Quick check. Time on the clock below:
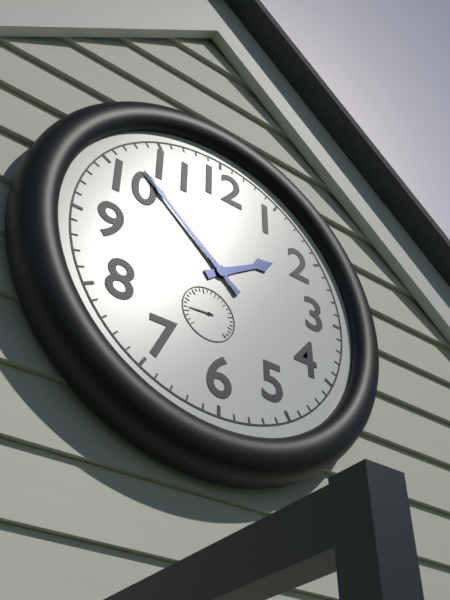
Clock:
1:52
